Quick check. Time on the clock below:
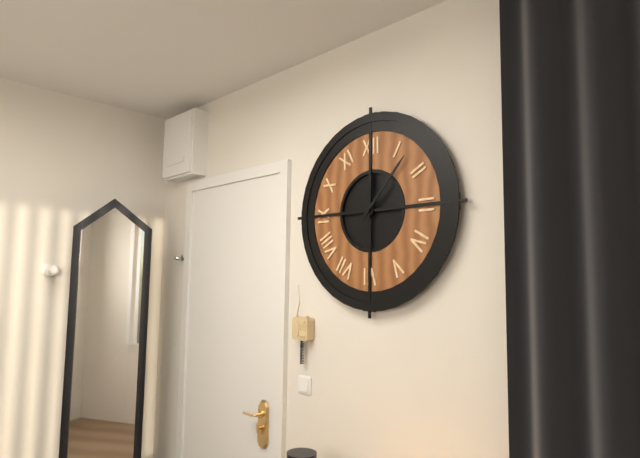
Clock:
12:07
